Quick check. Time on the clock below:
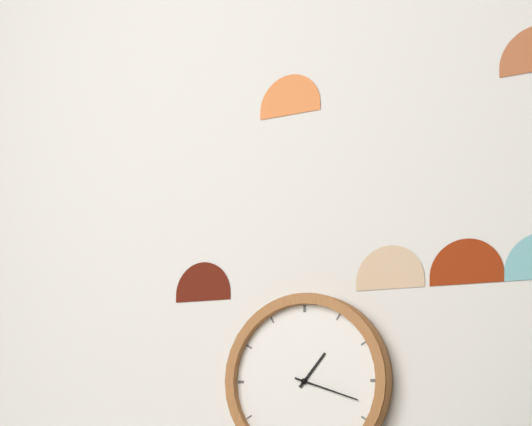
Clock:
1:18
